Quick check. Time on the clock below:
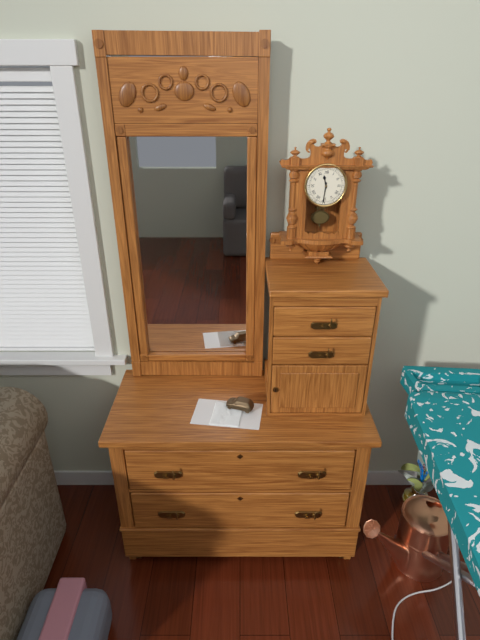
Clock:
11:31
